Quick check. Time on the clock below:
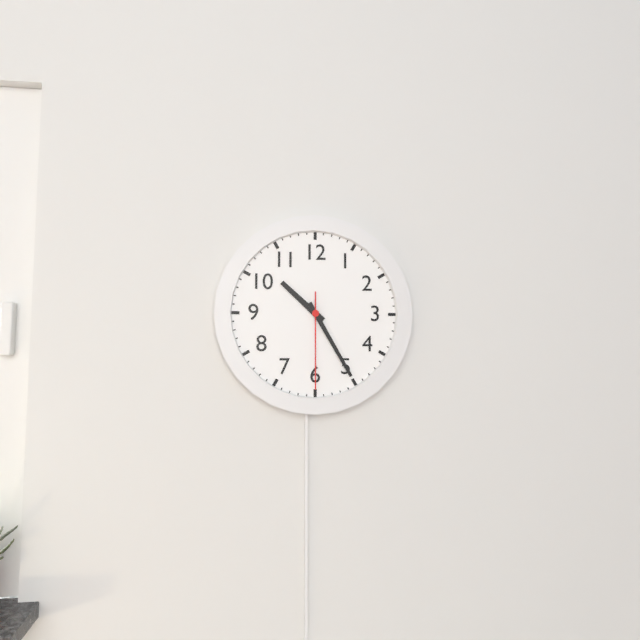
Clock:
10:25:30
